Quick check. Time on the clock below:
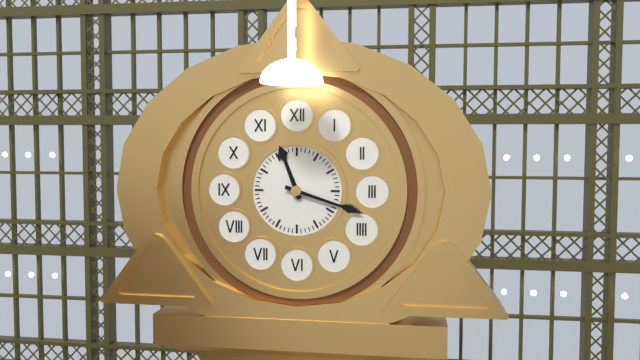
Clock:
11:18
